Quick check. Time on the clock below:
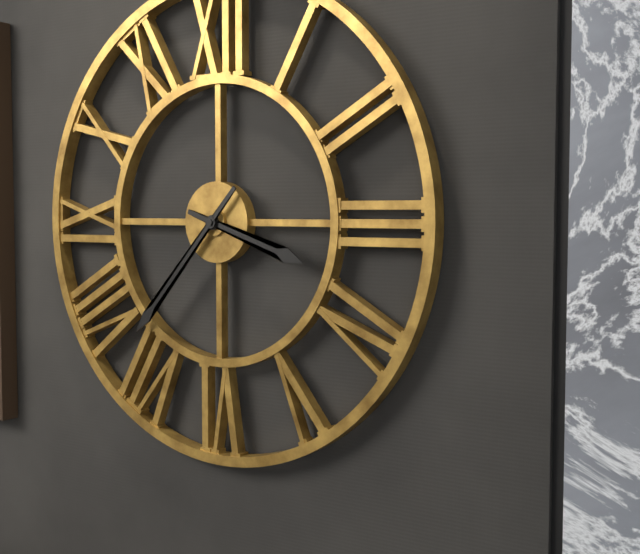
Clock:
3:37
